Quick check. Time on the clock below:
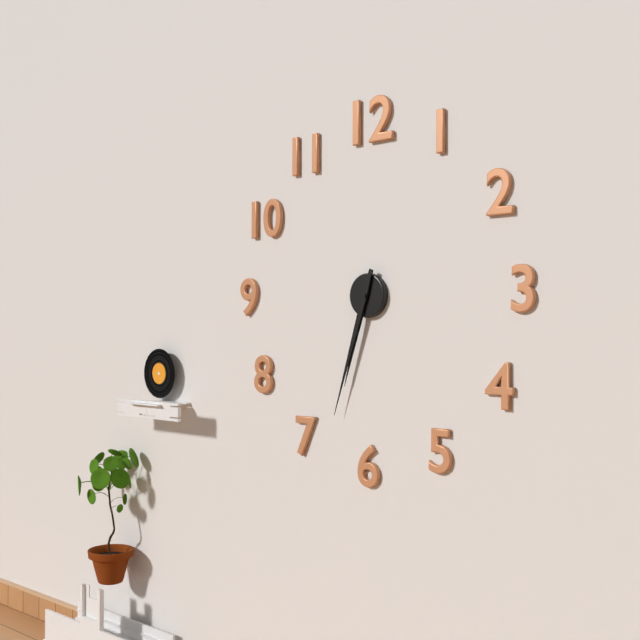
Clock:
6:33
